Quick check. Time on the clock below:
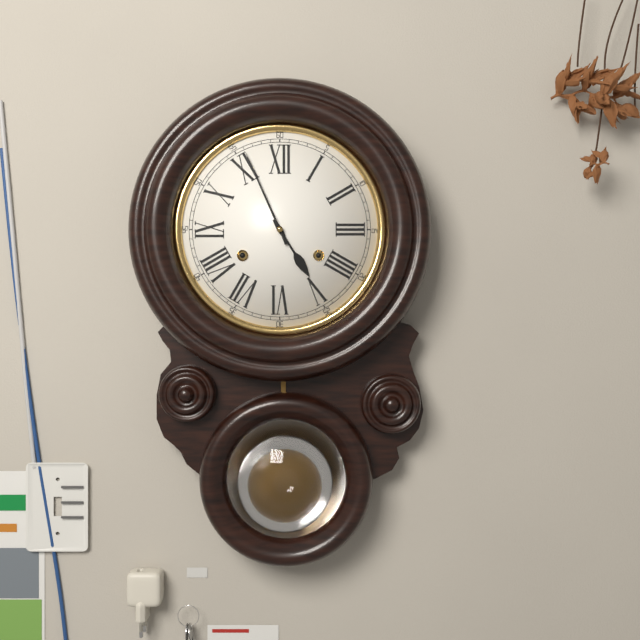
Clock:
4:56
